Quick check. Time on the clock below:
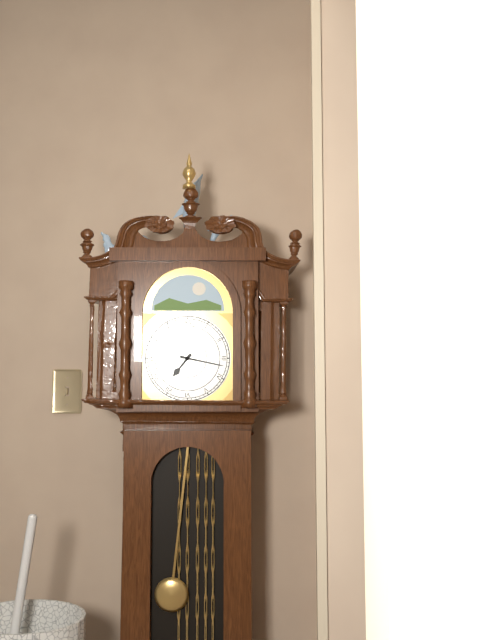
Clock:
7:17
